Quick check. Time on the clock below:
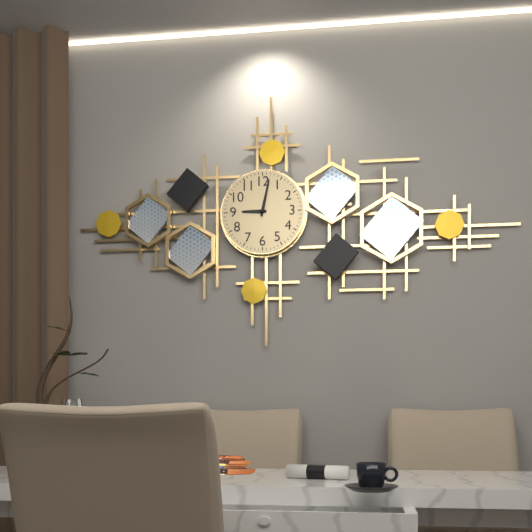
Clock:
9:02
